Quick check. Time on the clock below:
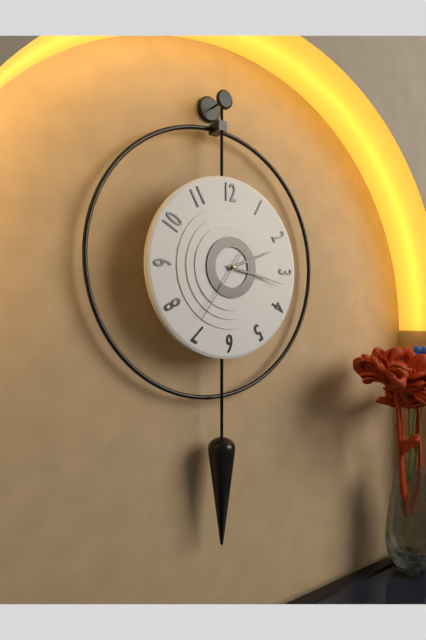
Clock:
2:17:36
